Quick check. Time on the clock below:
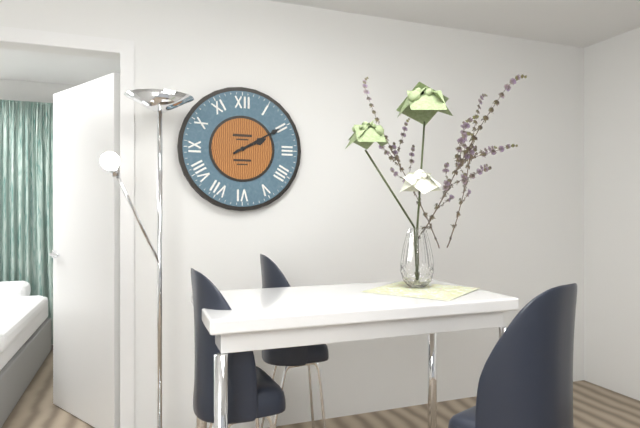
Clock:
2:10
